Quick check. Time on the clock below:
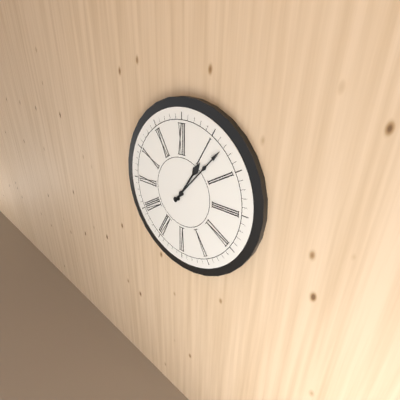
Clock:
1:07
